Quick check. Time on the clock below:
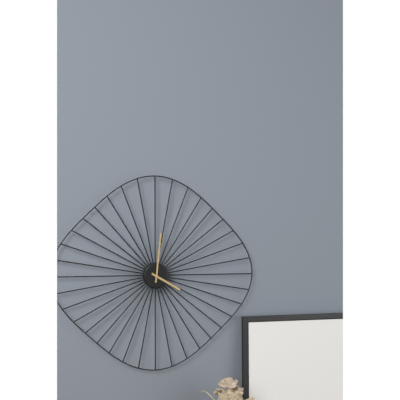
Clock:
4:01
